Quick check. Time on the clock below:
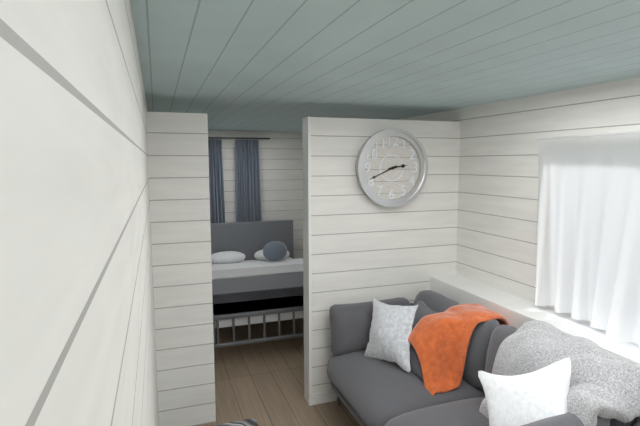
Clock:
2:41
